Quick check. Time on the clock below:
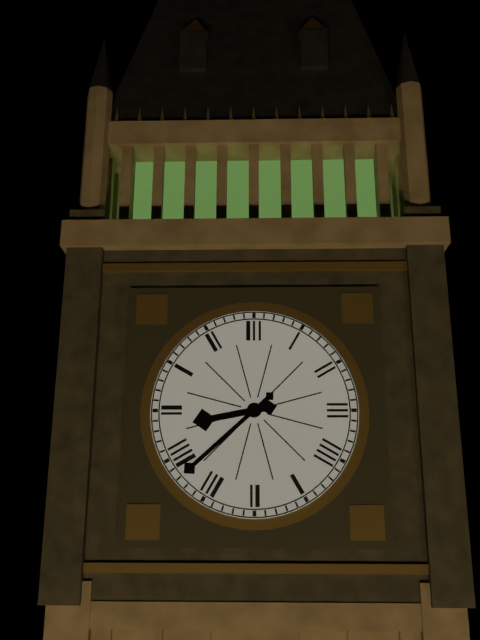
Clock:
8:38
